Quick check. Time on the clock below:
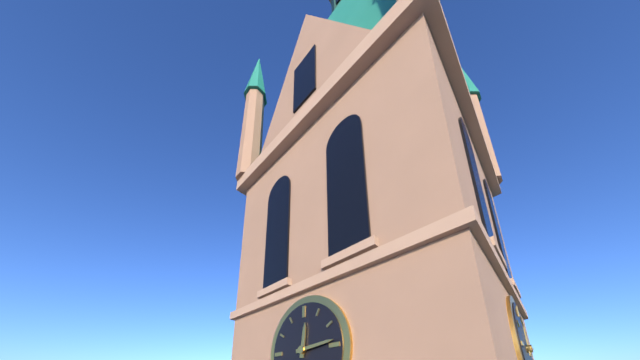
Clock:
12:14
